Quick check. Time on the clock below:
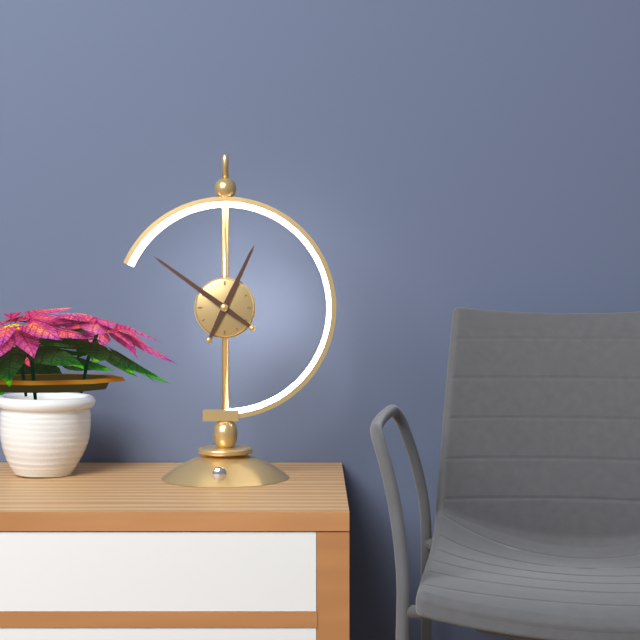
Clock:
12:51
